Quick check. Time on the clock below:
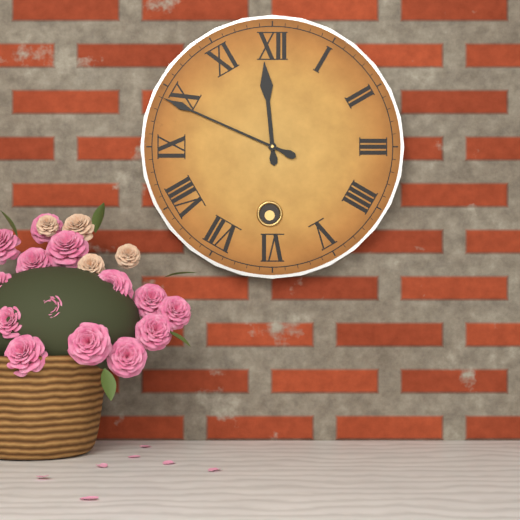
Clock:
11:49
